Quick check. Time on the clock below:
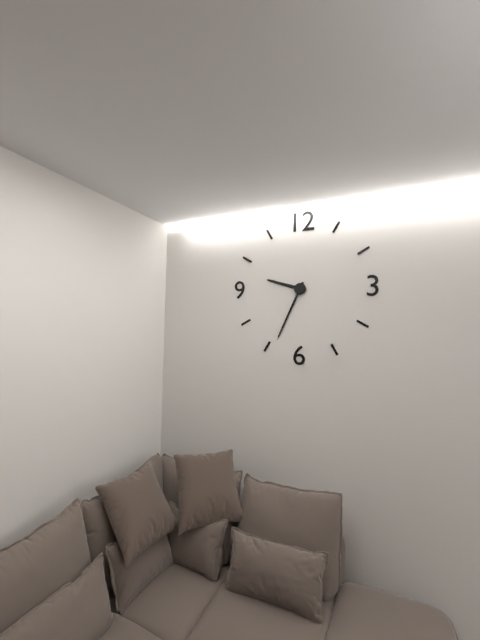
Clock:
9:34
